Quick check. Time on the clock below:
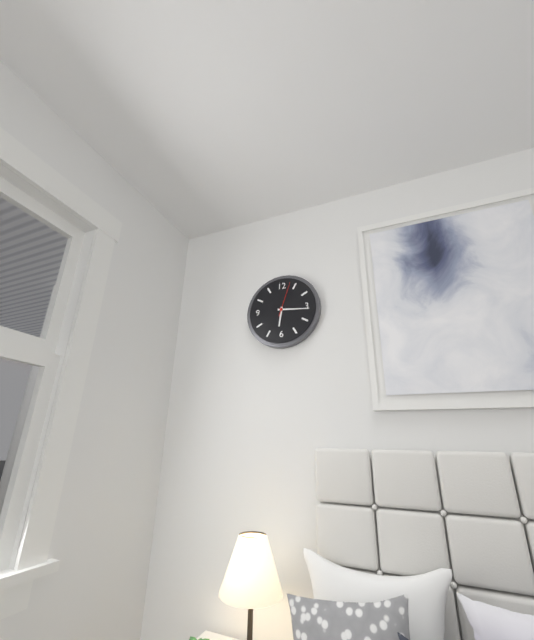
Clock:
6:16
